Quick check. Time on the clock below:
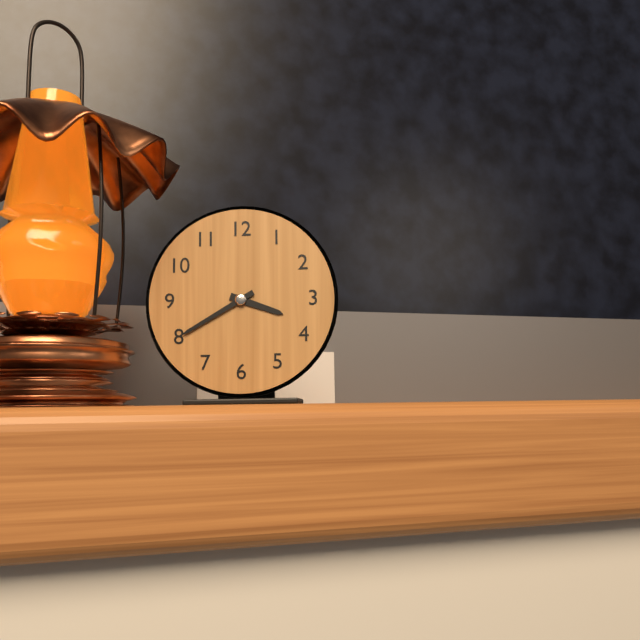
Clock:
3:40
